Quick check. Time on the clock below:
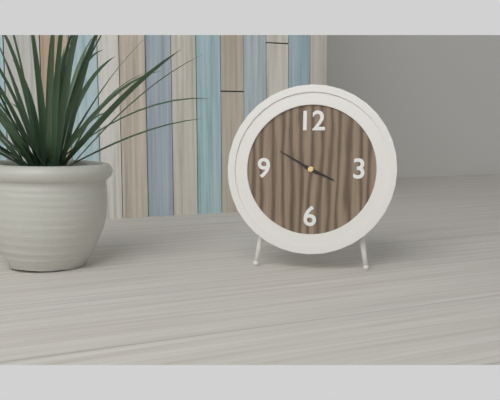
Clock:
3:50
